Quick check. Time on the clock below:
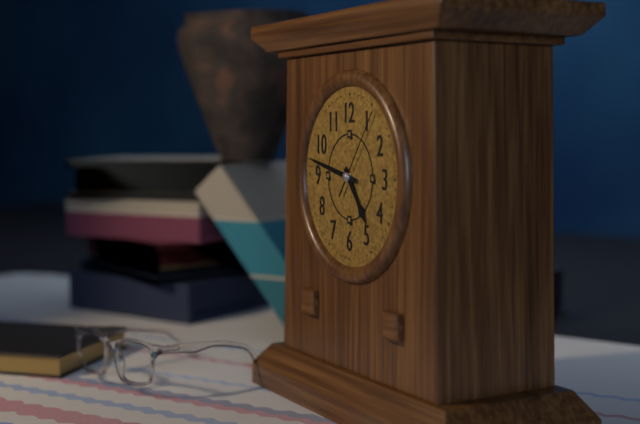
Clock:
4:47:06
